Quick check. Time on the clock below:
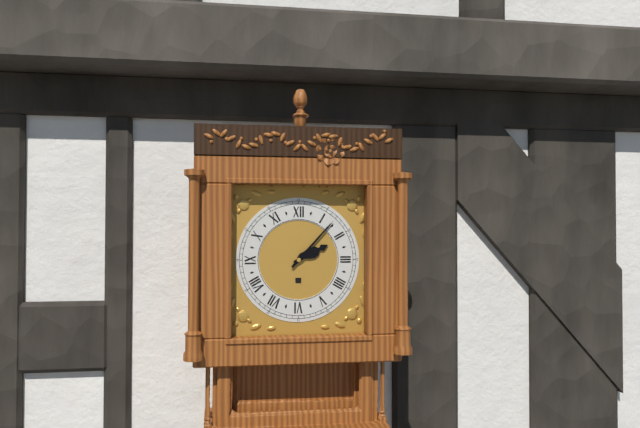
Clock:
2:07
